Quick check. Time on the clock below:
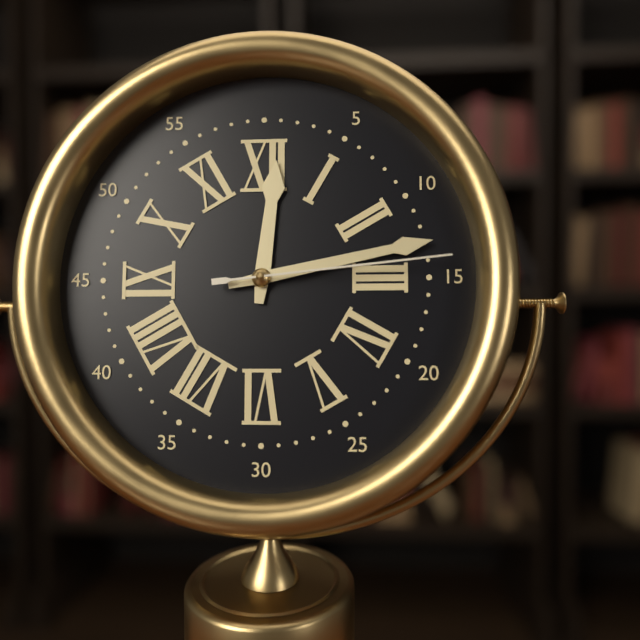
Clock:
12:13:14
